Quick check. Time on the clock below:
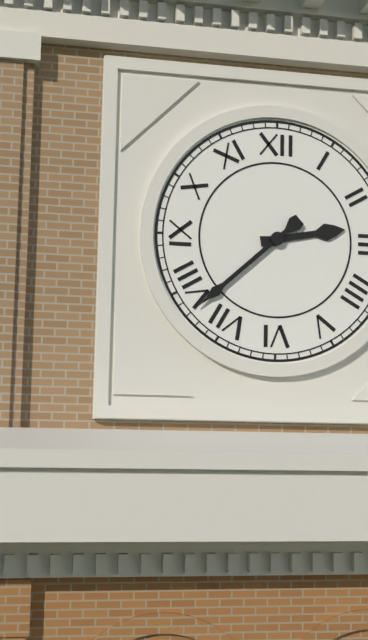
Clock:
2:38
